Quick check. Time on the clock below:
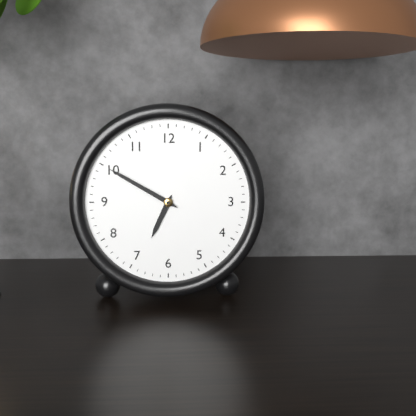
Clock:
6:50
